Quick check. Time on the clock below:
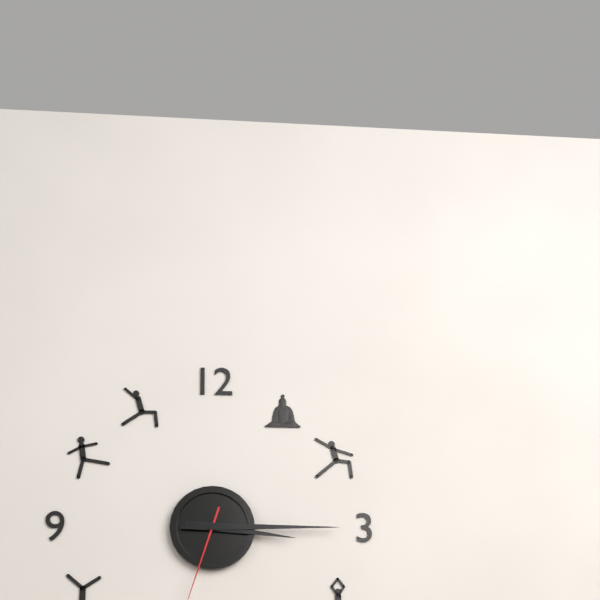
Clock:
3:15
